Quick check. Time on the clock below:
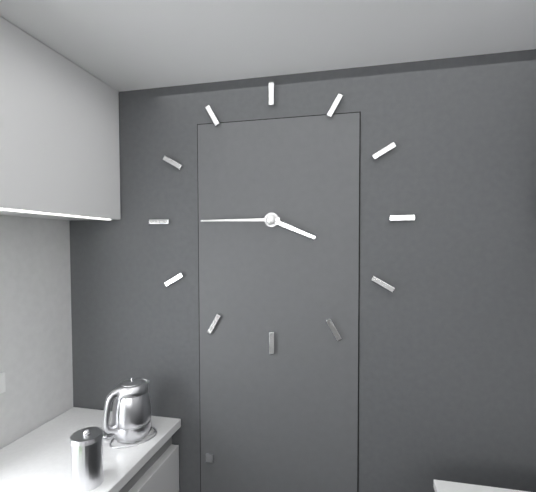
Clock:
3:45
